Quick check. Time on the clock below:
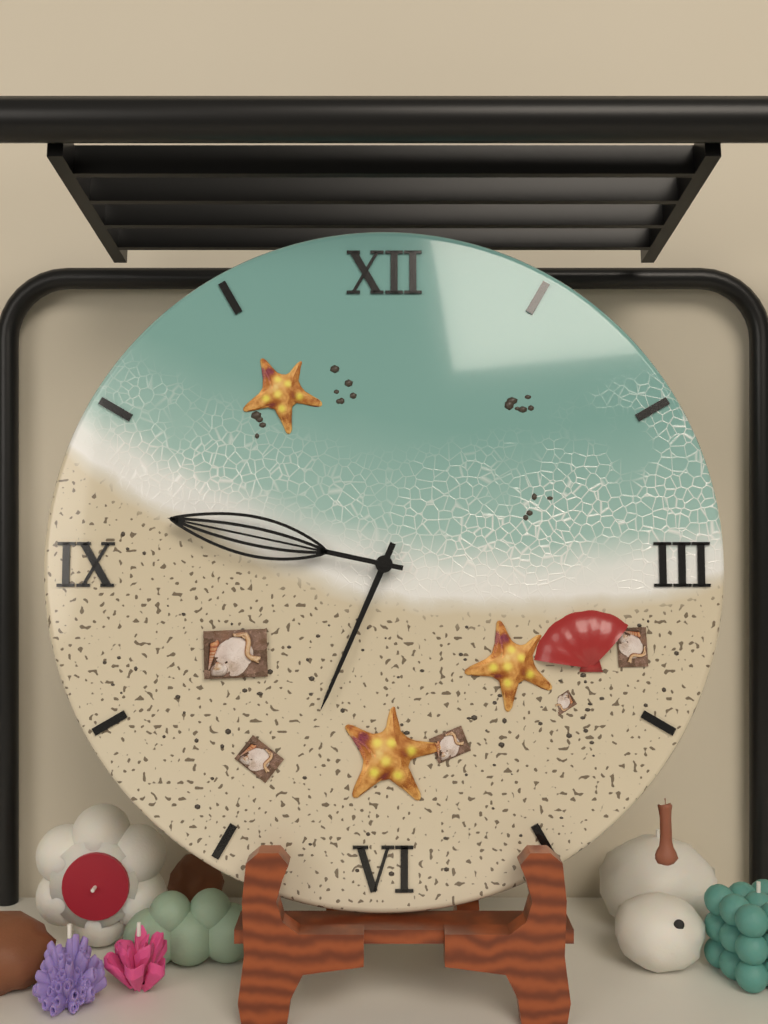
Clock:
6:47
